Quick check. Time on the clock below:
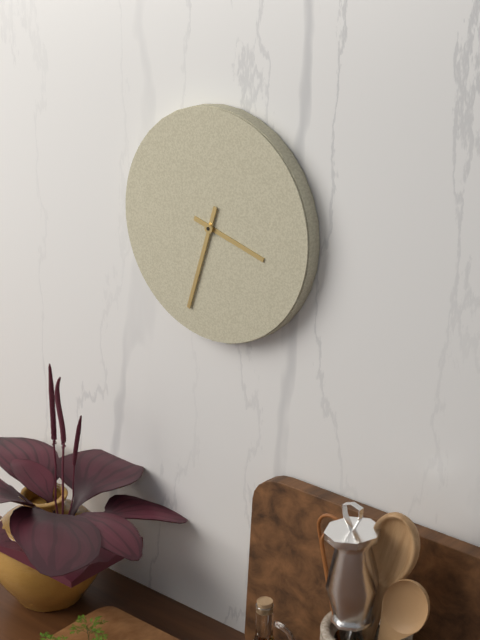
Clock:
3:33
